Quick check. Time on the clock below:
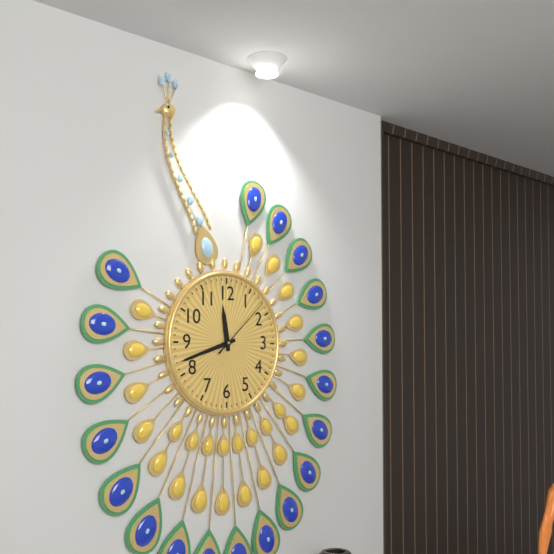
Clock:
11:42:08
